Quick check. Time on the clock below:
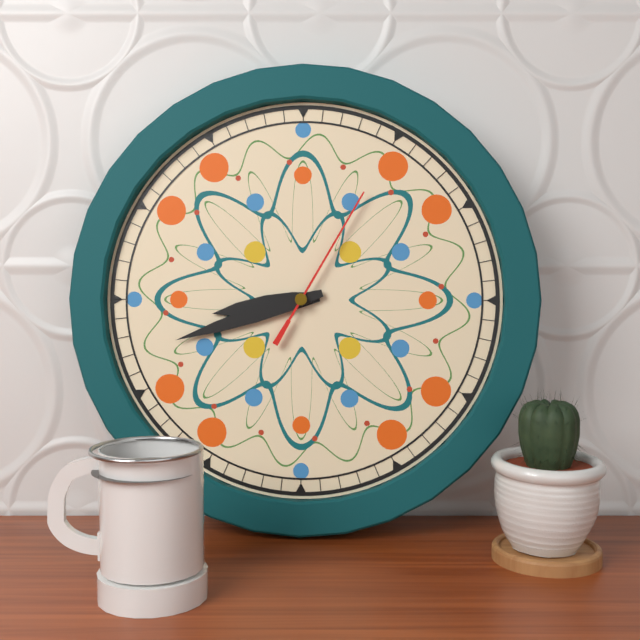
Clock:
8:42:05
